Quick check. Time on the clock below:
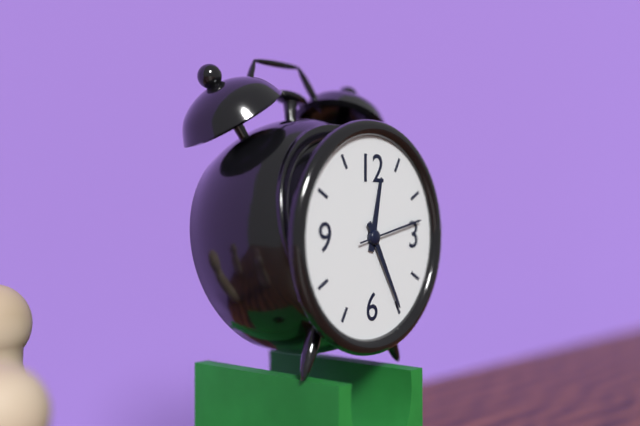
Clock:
12:25:13
